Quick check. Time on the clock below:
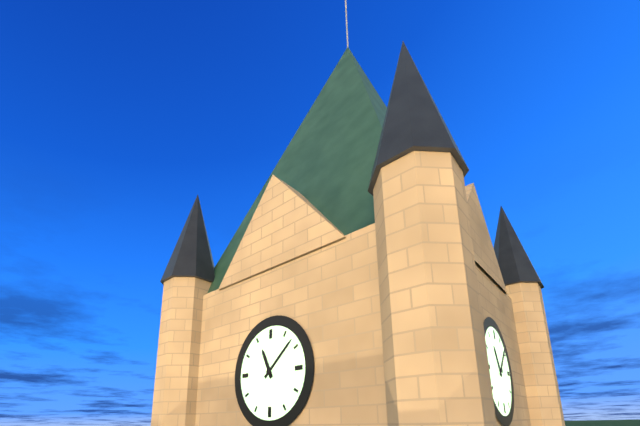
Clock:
11:08
